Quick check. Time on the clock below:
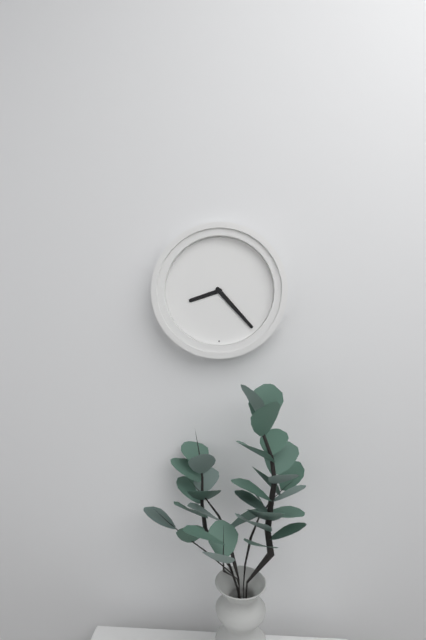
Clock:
8:23
